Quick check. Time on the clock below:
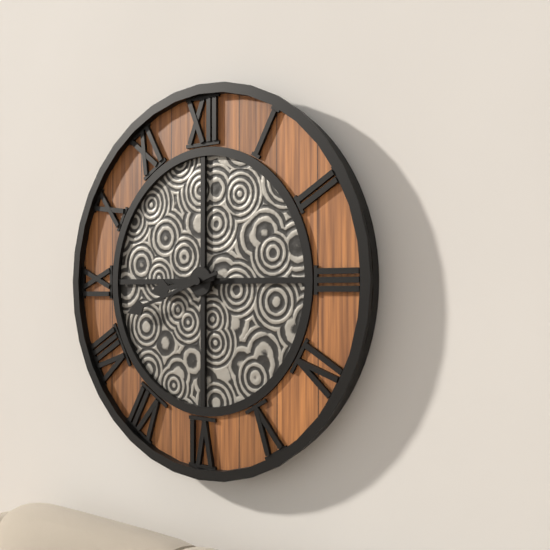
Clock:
8:42
